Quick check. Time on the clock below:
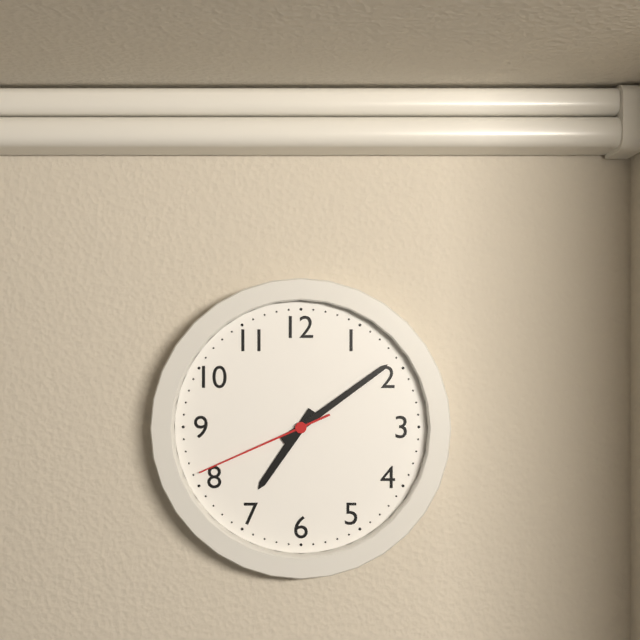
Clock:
7:09:41
